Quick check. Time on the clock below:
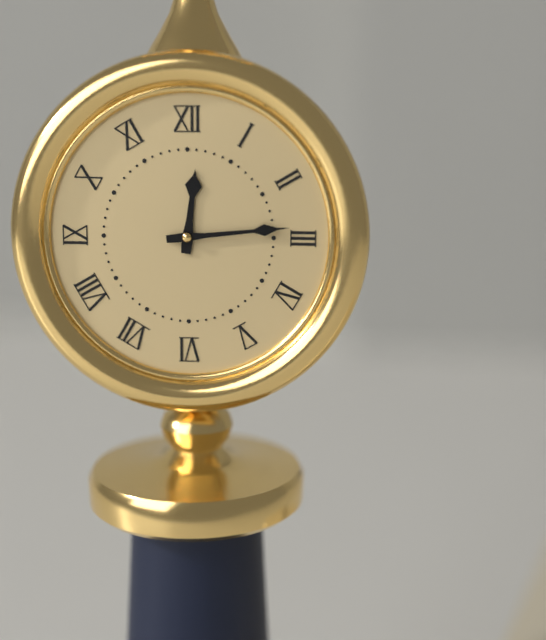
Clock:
12:14
